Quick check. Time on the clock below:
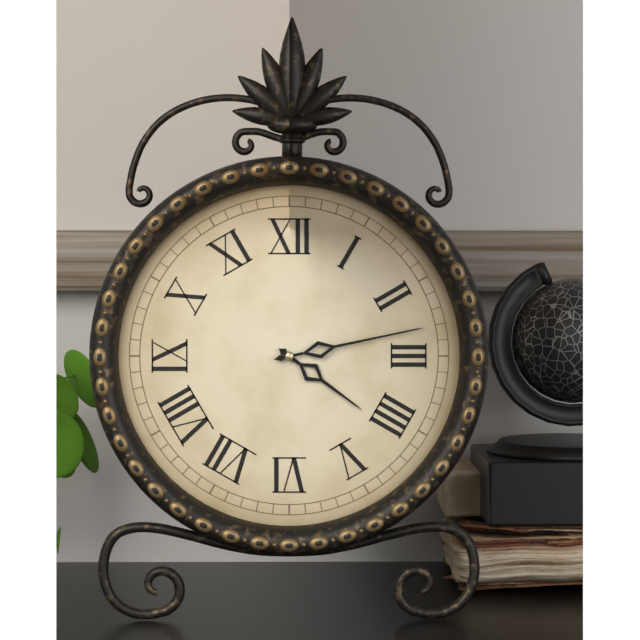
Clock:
4:13
